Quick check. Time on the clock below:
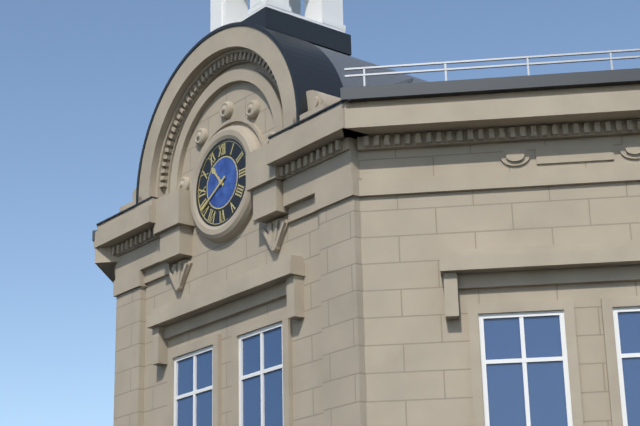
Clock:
10:40
